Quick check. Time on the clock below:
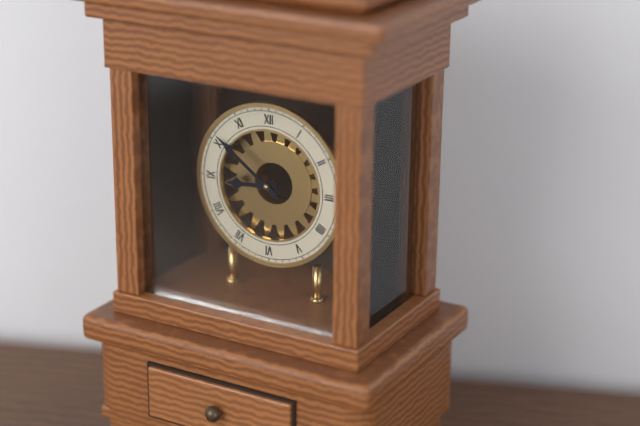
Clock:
8:51
